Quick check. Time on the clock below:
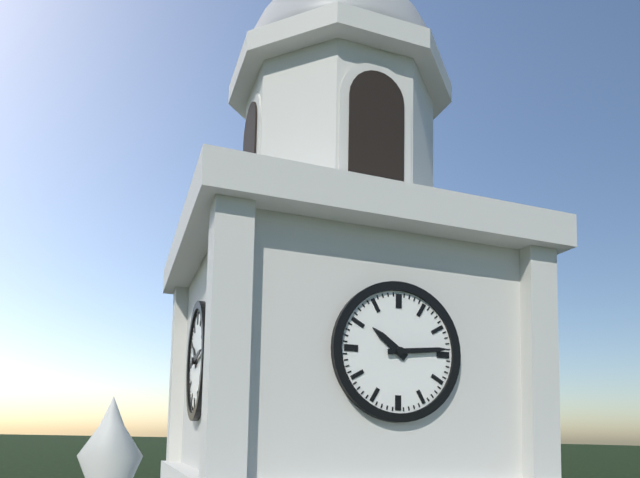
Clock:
10:14
